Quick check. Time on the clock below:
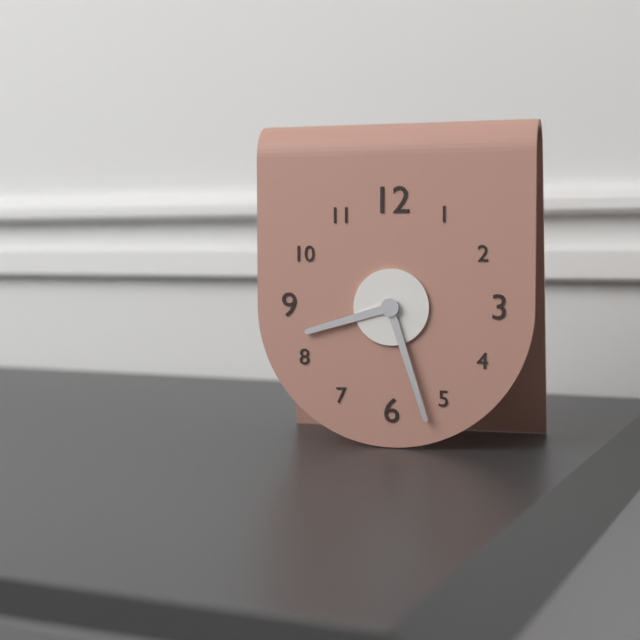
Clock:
8:27
